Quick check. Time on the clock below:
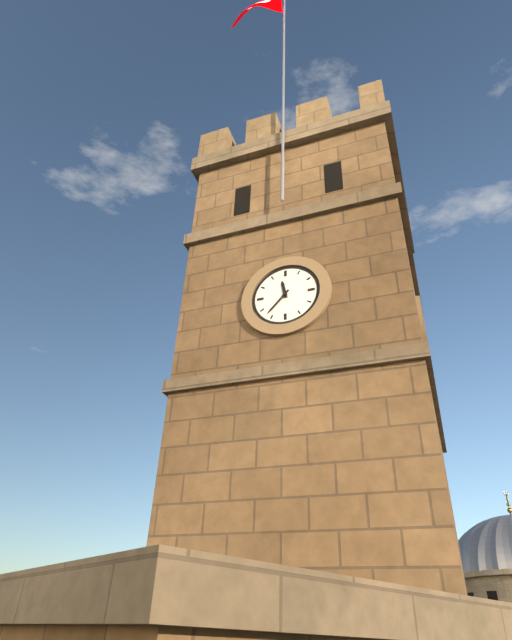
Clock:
11:37
